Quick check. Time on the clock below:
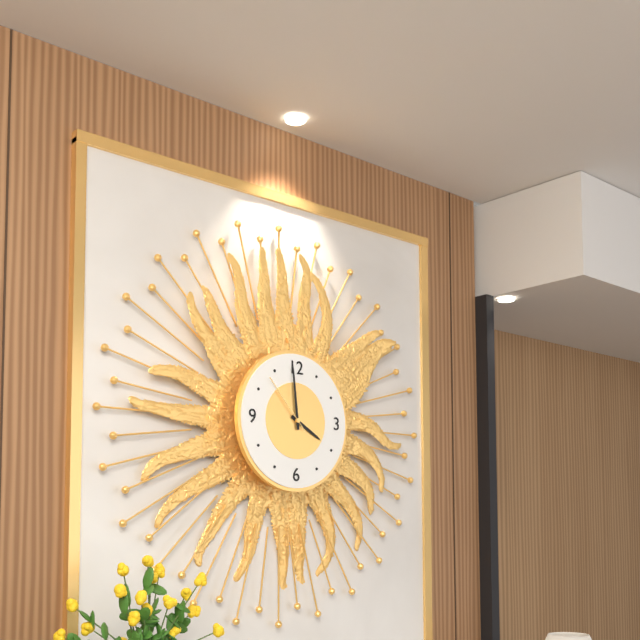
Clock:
3:59:53
